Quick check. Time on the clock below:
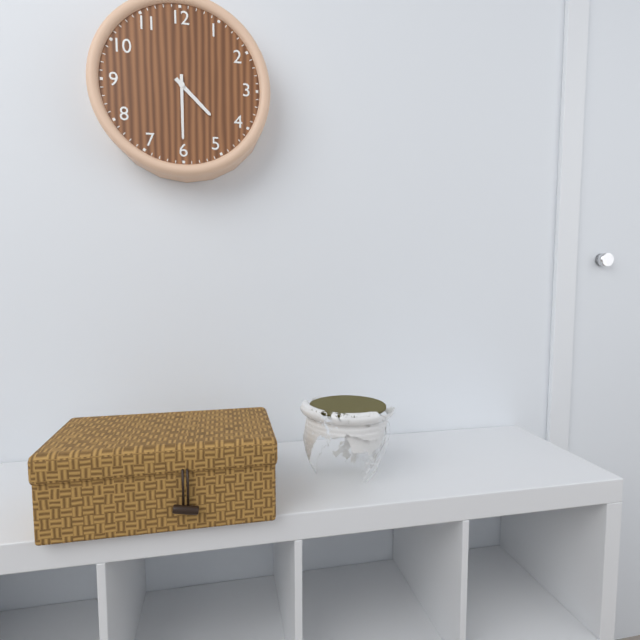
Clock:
4:30
